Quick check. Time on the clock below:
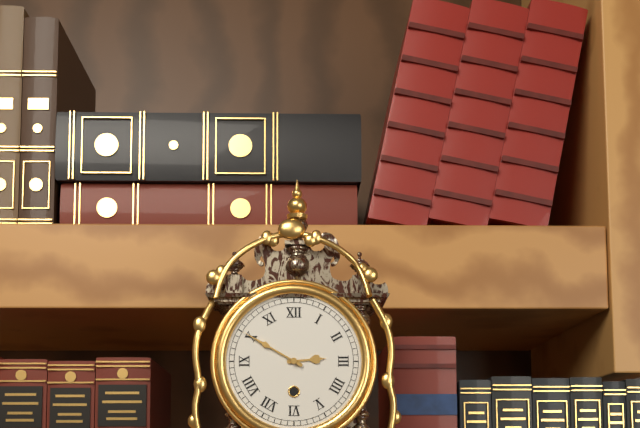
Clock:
2:50
